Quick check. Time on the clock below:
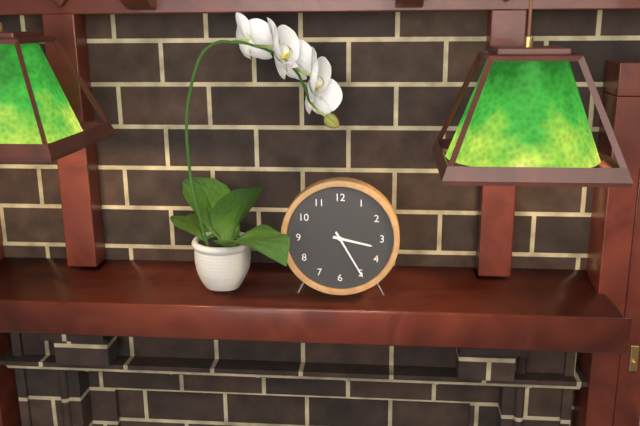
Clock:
3:25
